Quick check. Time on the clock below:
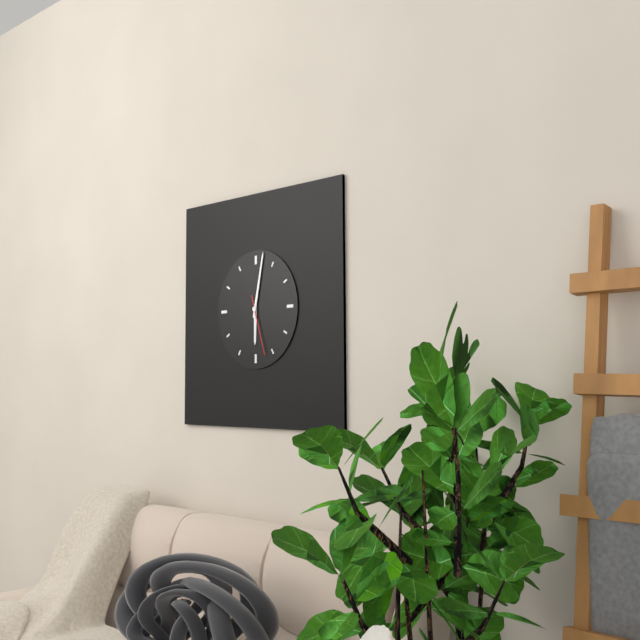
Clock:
6:02:27
